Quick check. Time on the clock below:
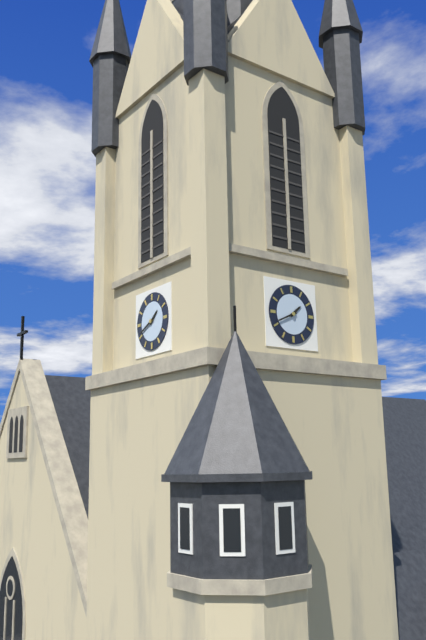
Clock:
1:41
